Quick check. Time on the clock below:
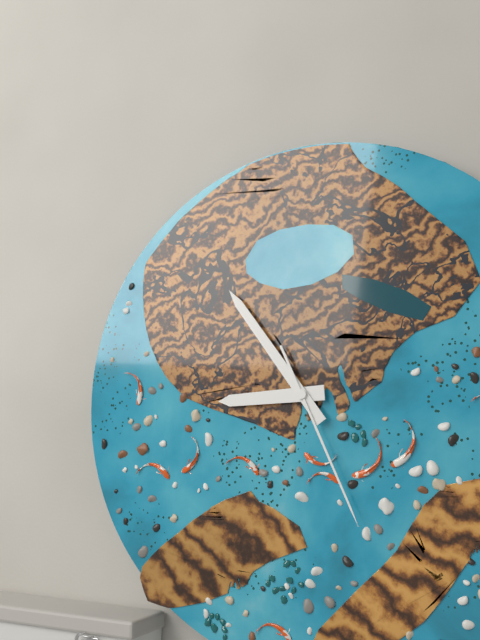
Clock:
8:54:26
